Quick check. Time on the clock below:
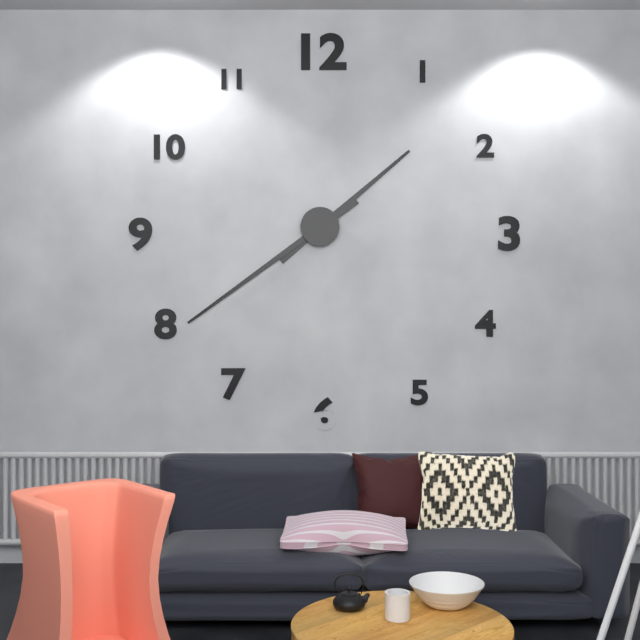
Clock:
1:39
